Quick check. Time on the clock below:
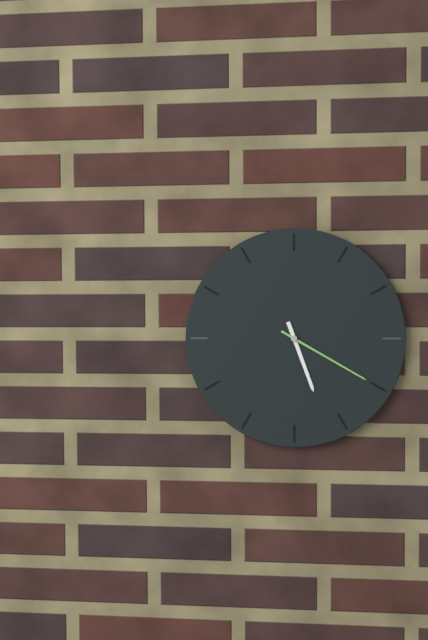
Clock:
5:20
